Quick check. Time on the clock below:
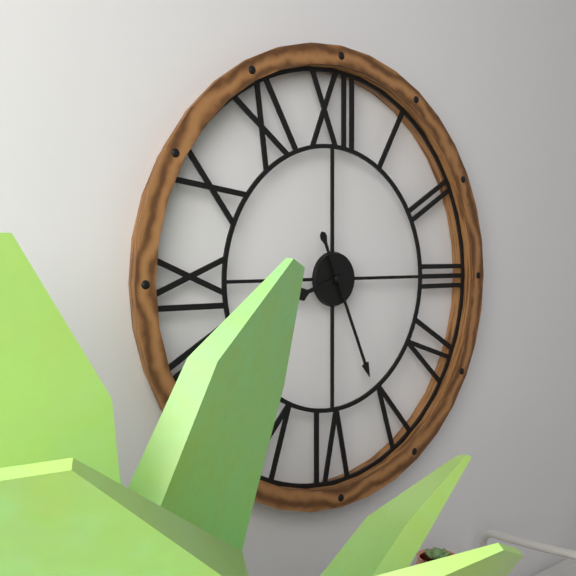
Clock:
8:26
